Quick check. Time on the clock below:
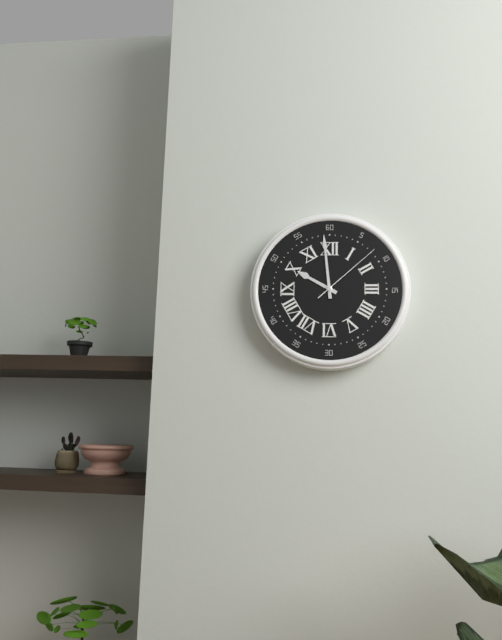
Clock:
9:59:08
